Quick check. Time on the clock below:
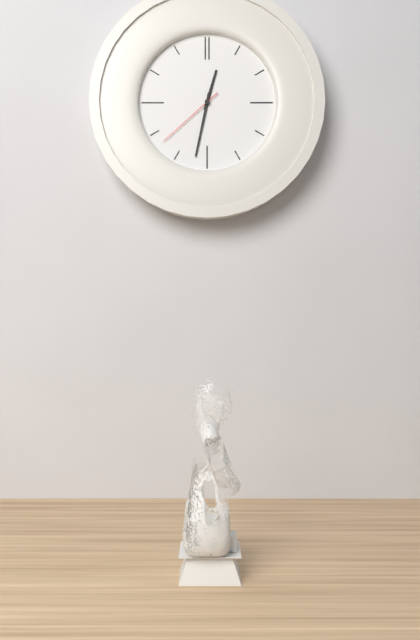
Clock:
12:32:38
